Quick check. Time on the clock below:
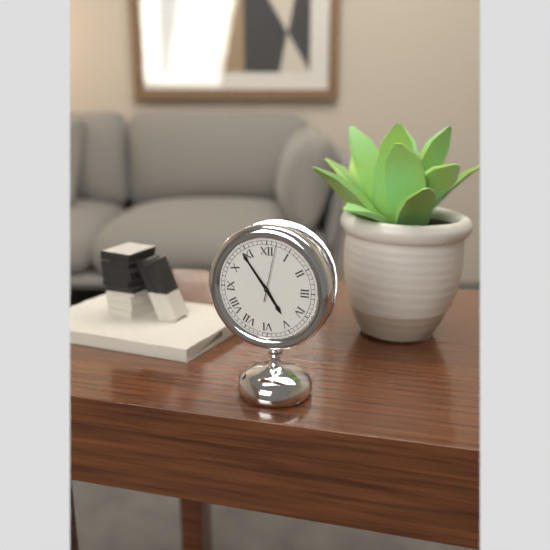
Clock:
4:54:02
